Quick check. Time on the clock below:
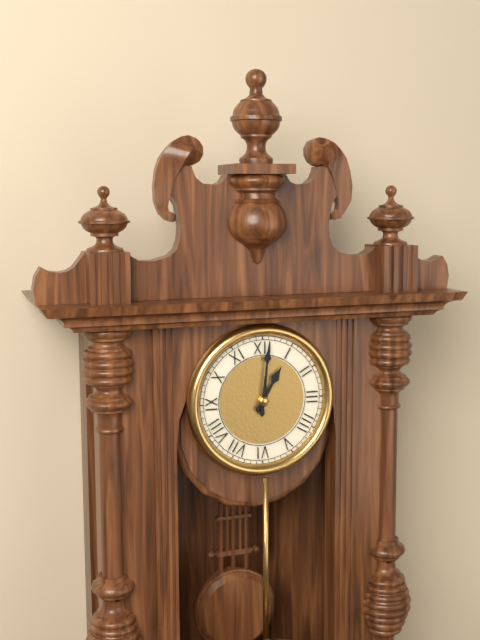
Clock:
1:01
